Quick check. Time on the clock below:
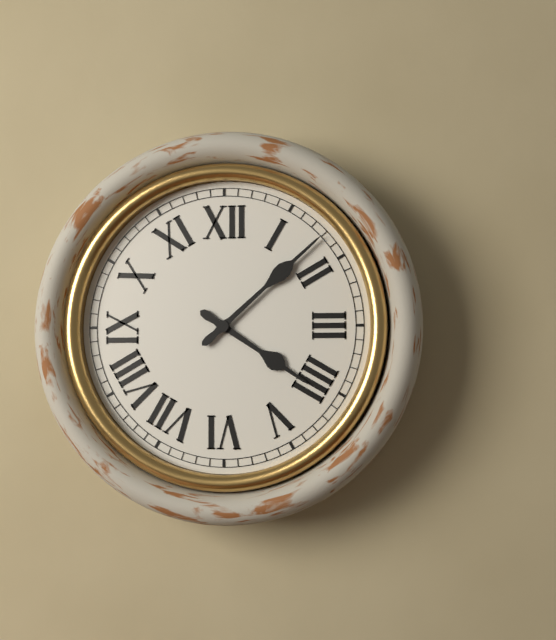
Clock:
4:08
